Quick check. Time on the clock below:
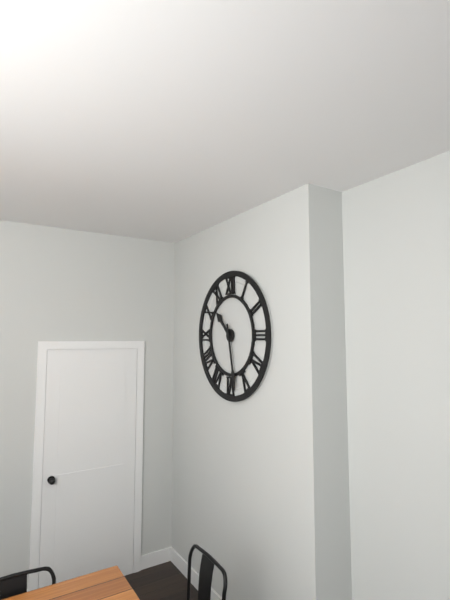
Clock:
10:28
